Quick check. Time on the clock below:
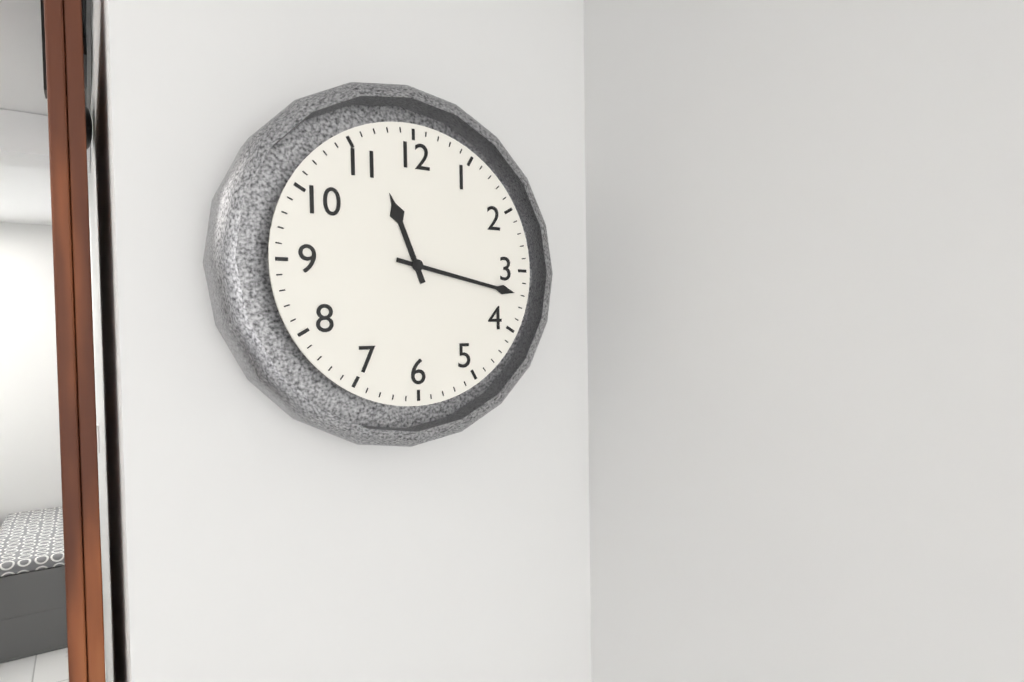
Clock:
11:17
